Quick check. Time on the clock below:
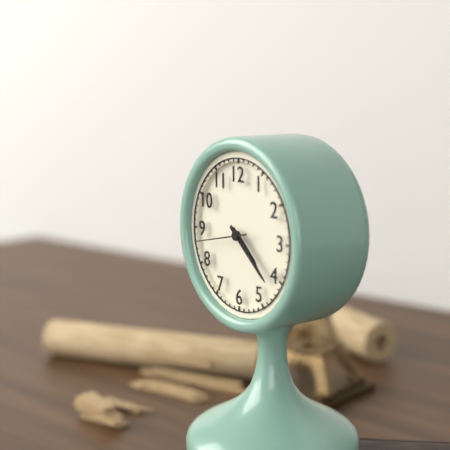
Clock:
4:22:43
